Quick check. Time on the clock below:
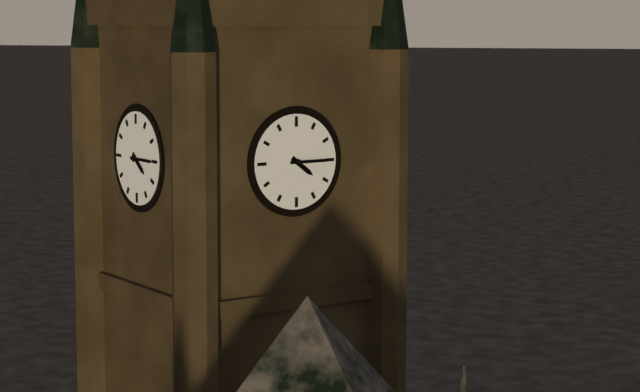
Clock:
4:15
